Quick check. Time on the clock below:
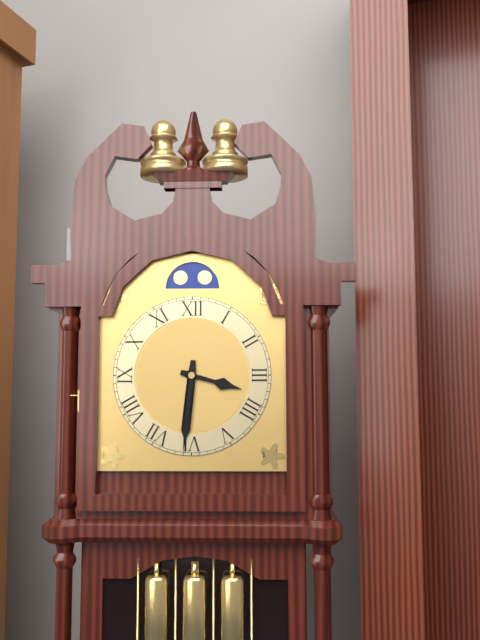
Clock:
3:31
